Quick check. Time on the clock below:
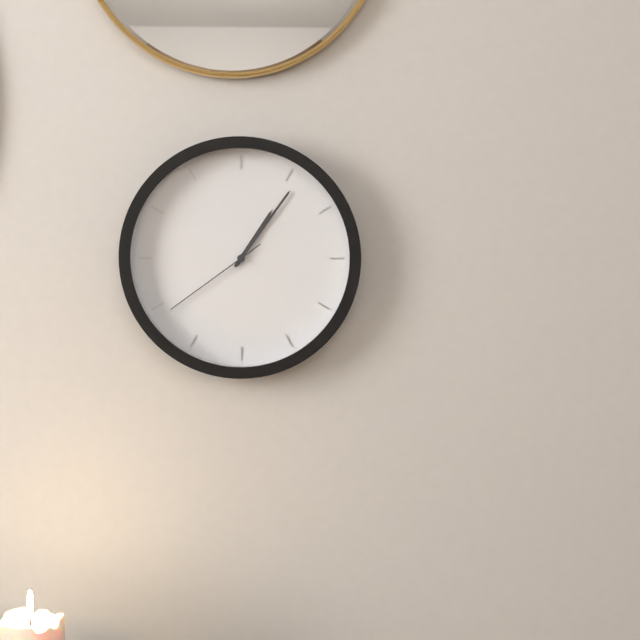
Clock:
1:06:39
